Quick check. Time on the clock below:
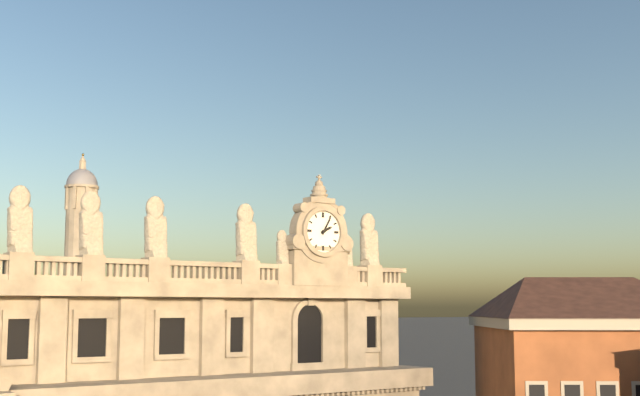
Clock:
2:05
